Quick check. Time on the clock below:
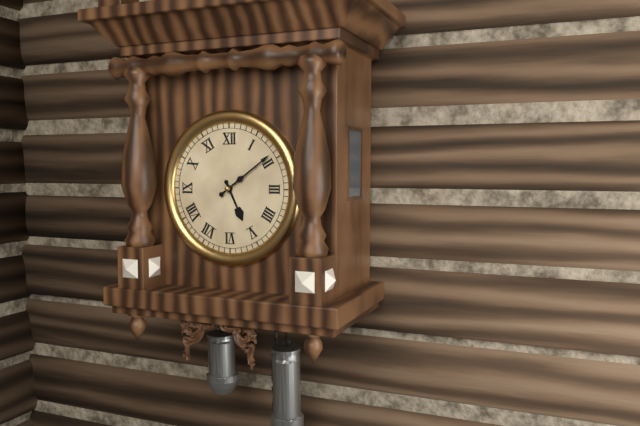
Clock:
5:09
